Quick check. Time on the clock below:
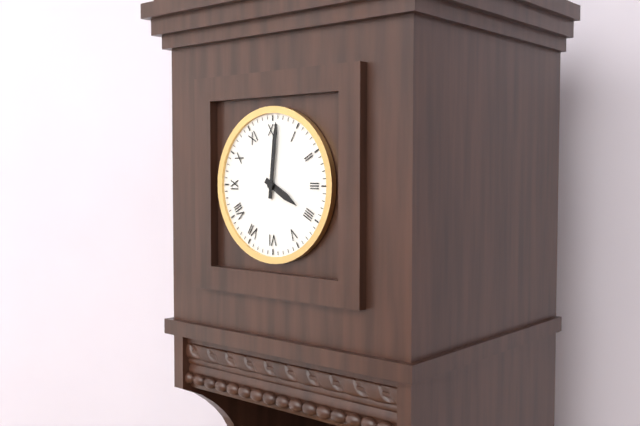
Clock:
4:01
